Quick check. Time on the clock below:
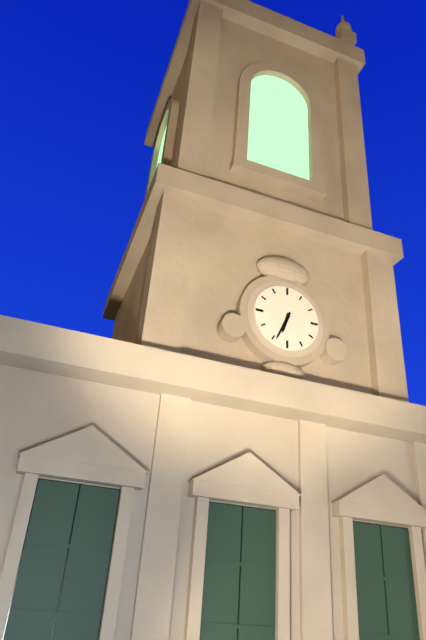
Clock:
6:34
